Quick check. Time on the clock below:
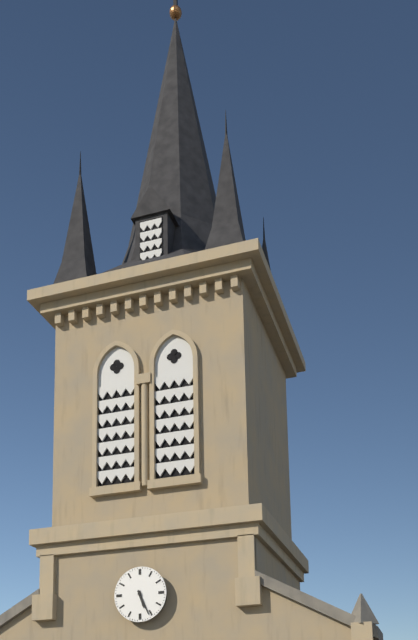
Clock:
5:26
